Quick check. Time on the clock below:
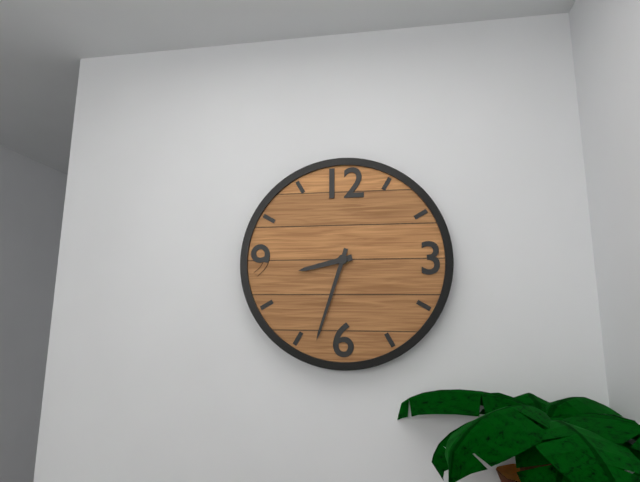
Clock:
8:33
